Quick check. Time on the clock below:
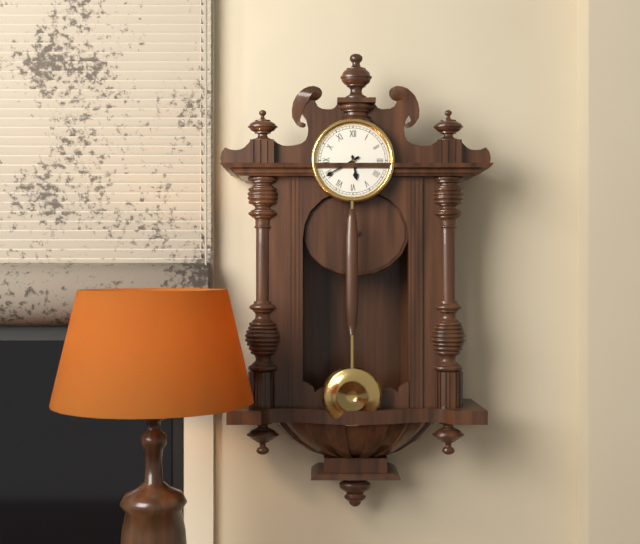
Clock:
5:40
